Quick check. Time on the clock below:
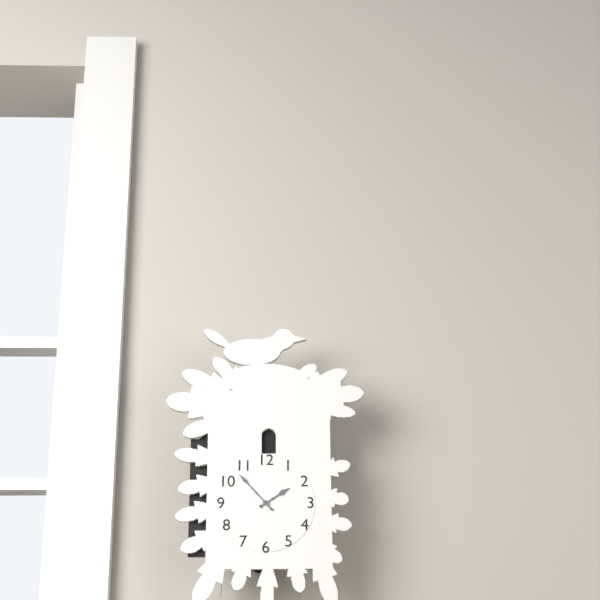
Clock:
1:53
